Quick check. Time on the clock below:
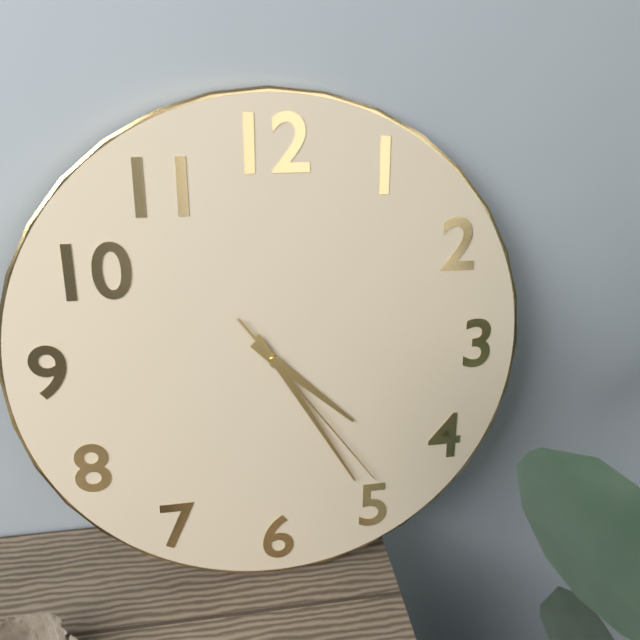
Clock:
4:25:24
